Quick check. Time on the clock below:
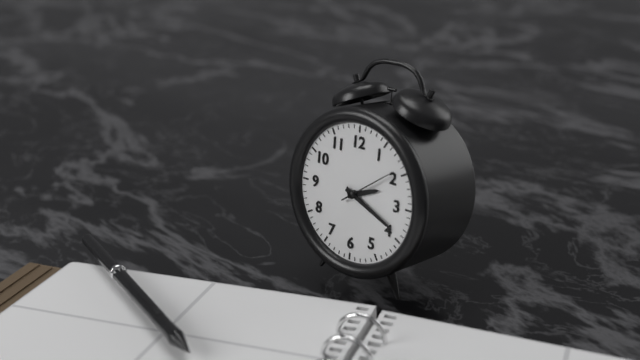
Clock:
2:19
